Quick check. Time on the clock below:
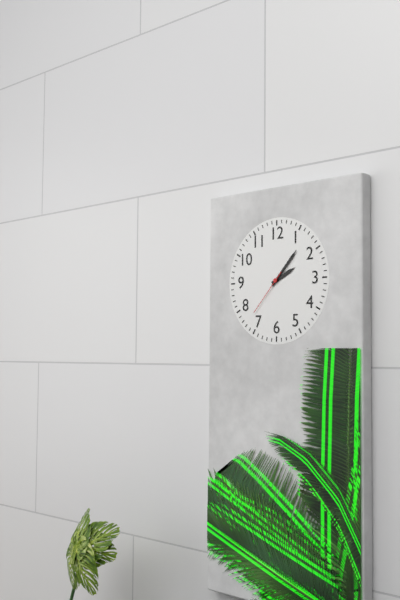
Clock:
2:07
